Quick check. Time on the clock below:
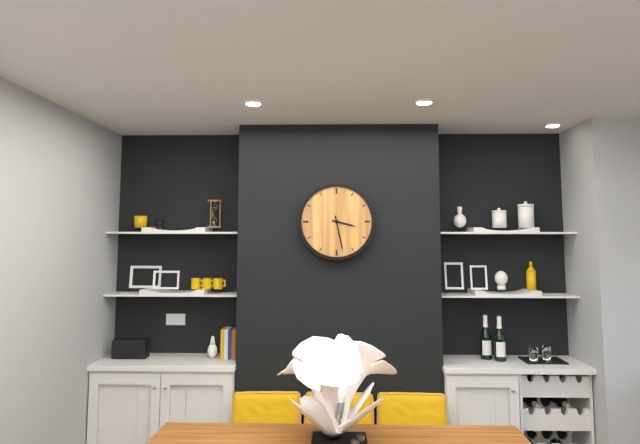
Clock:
3:28
